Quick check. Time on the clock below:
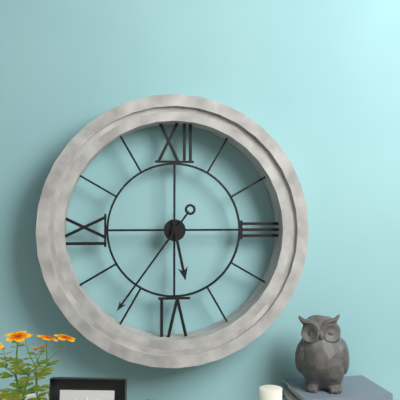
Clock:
5:36
